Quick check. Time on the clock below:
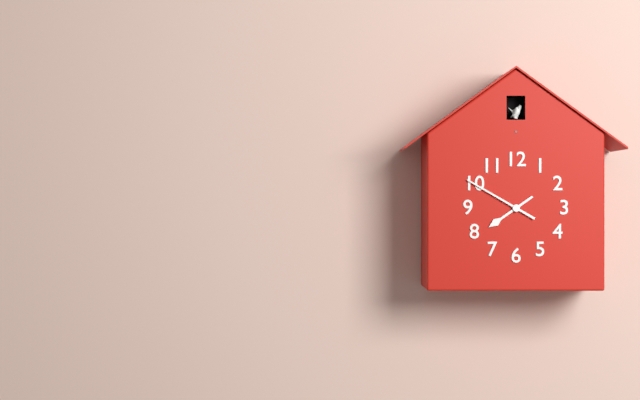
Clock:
7:50
